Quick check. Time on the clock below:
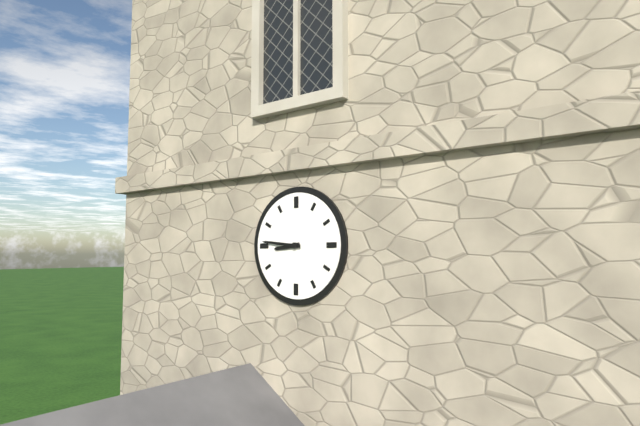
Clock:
8:46
